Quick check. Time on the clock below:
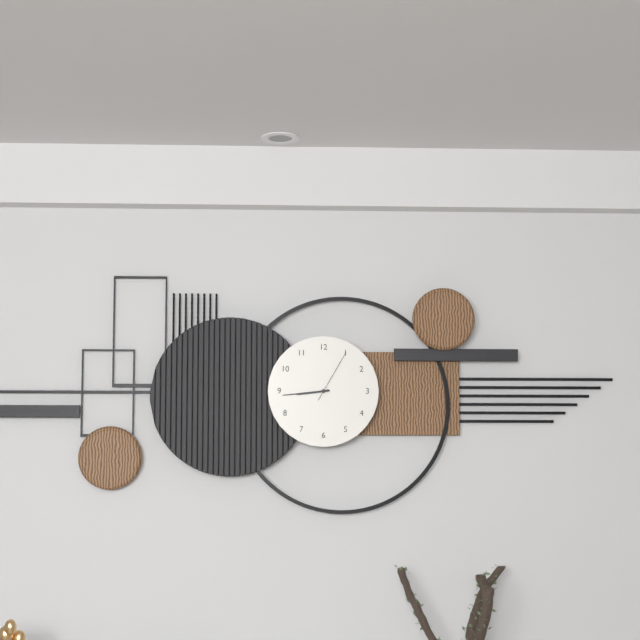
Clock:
8:44:05
